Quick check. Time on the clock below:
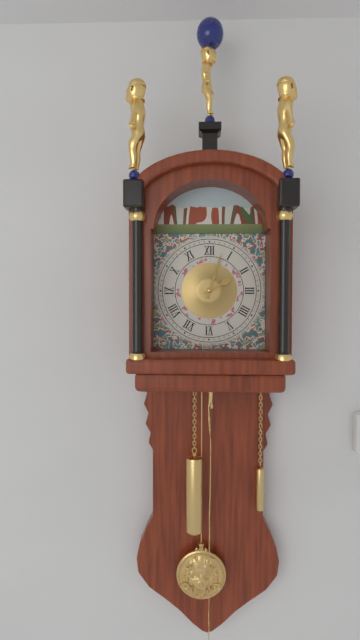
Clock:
2:03
